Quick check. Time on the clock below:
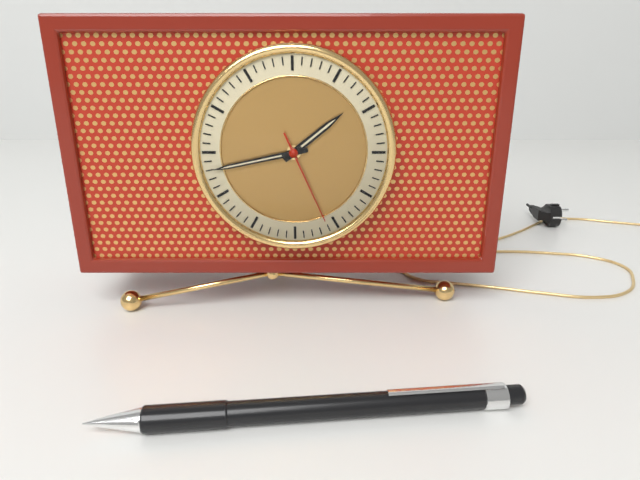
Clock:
1:43:26
